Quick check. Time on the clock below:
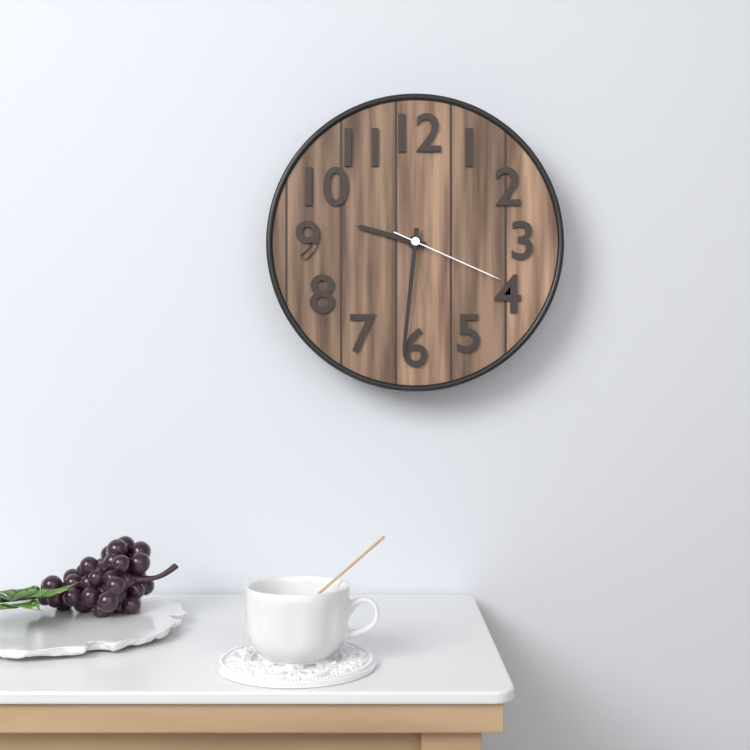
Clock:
9:31:19
